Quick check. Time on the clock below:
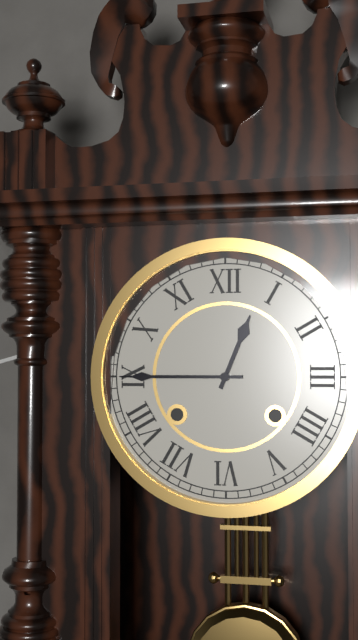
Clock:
12:45
